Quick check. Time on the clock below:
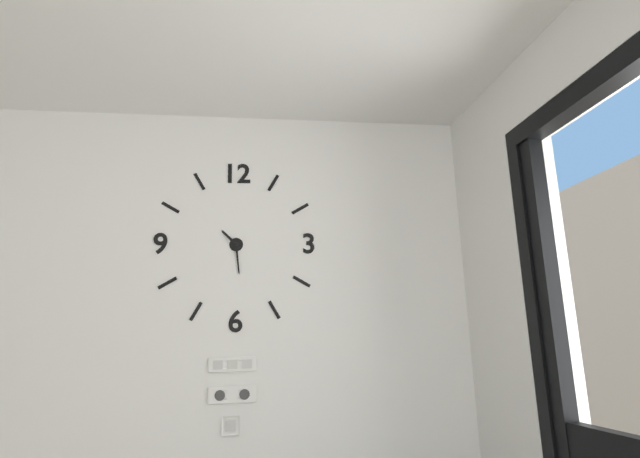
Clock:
10:29
